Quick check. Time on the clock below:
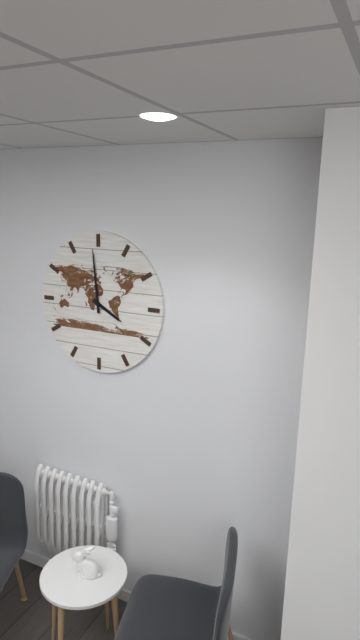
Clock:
3:59
